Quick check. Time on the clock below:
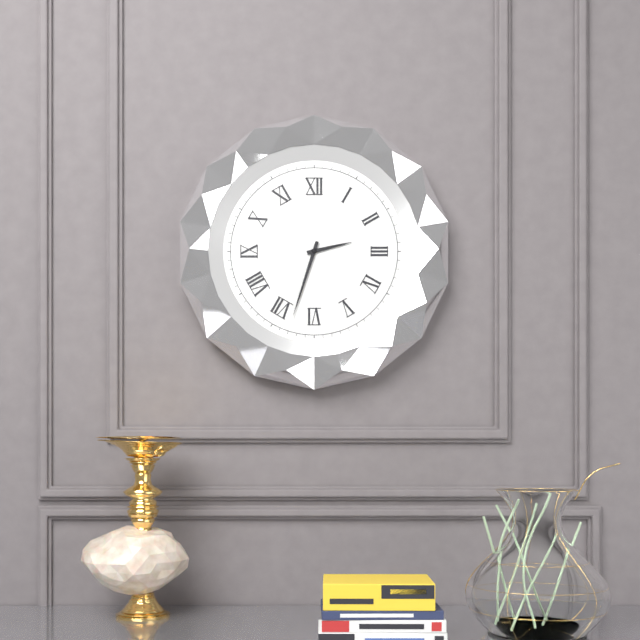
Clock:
2:33
